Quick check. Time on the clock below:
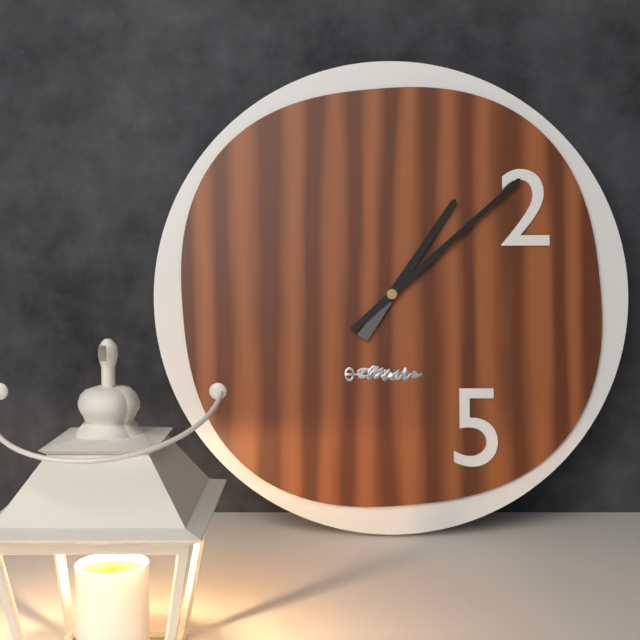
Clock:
1:08
